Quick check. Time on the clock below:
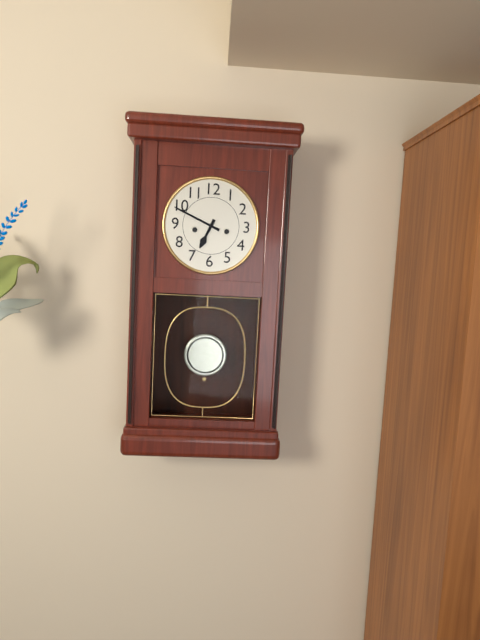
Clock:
6:49
